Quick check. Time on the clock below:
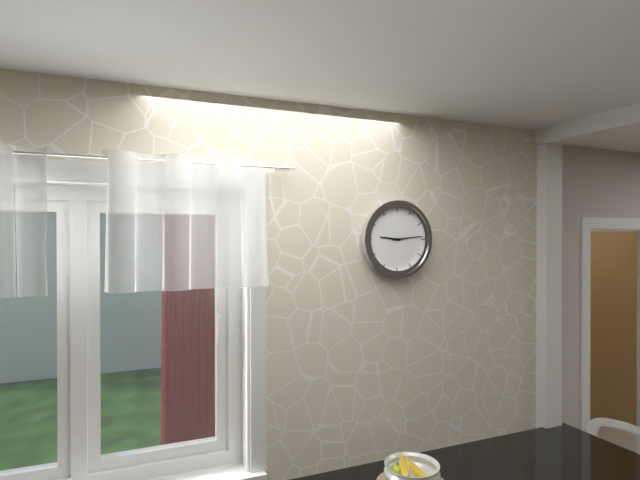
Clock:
9:14
